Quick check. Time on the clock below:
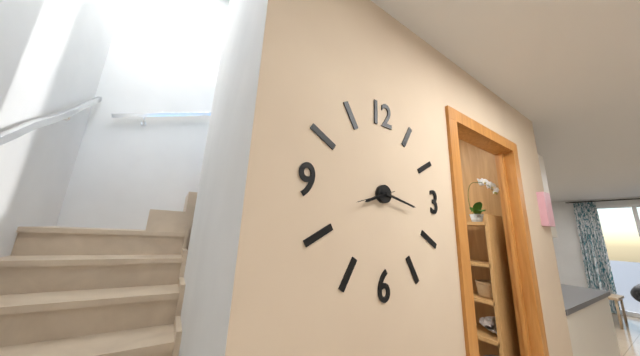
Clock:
8:17
